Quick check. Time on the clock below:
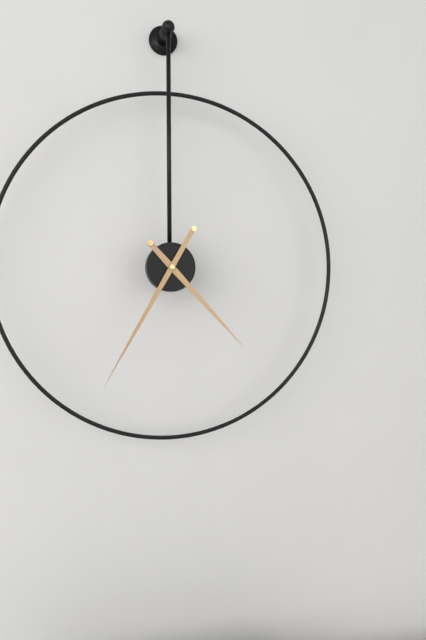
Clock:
4:35
